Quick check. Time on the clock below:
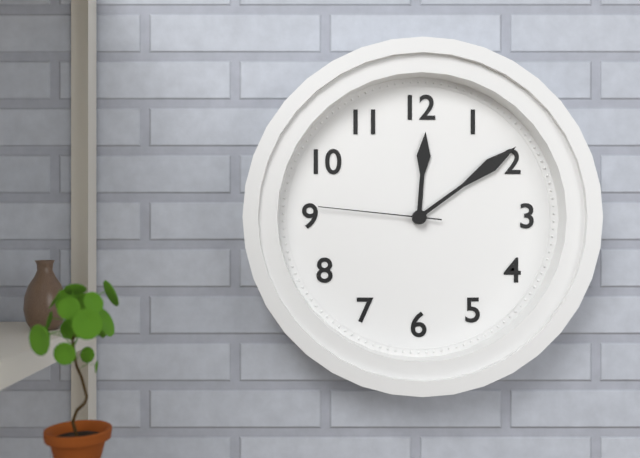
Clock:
12:09:46
